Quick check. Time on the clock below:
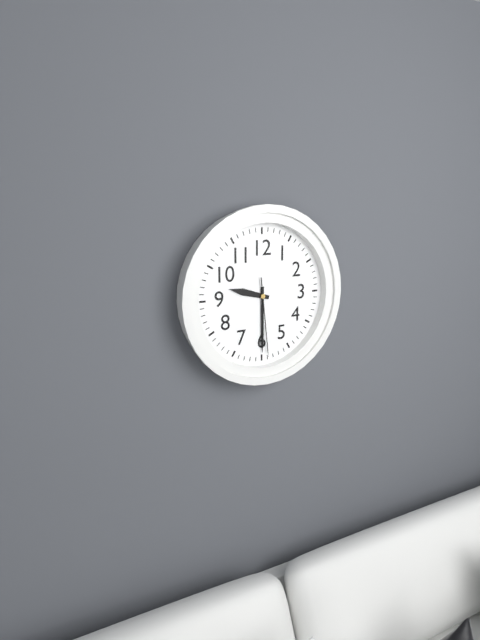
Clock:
9:30:29
